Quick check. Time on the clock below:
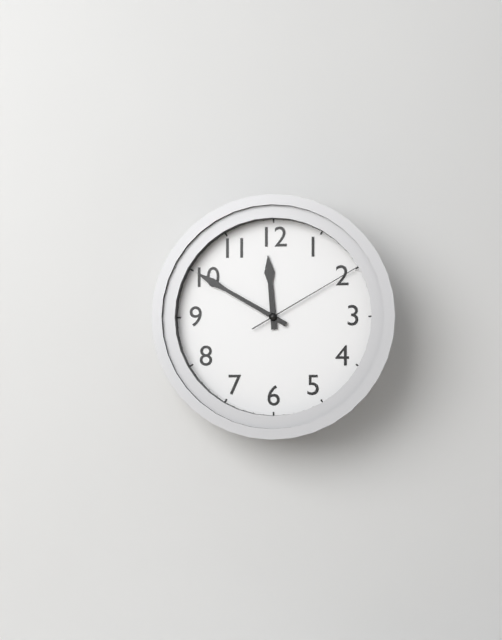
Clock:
11:50:10
